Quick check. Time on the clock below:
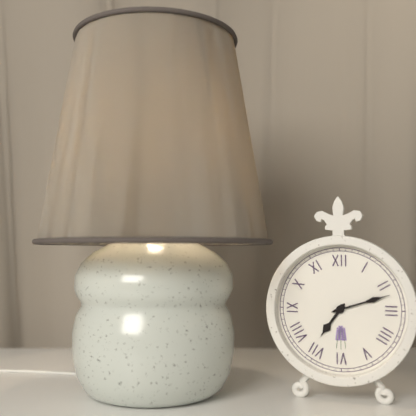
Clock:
7:12
